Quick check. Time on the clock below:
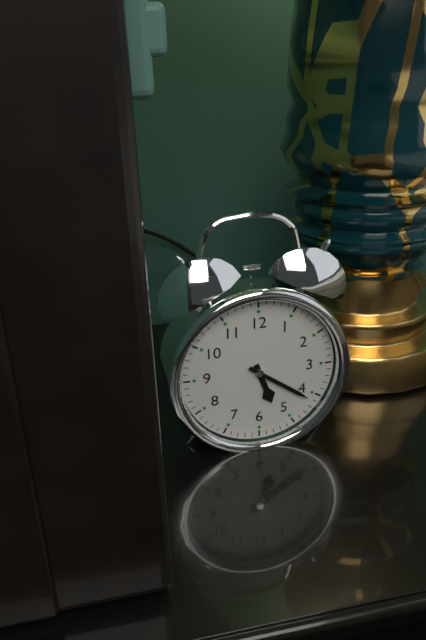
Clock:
5:21
